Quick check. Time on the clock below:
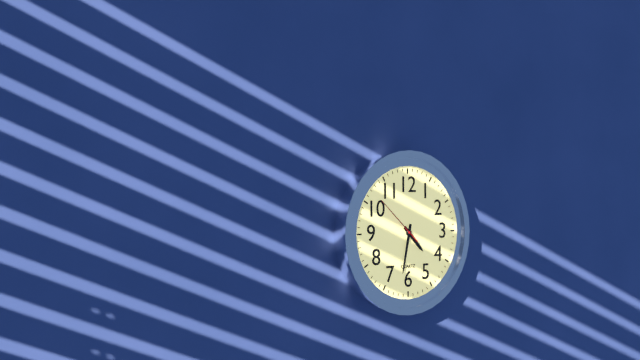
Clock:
4:32
